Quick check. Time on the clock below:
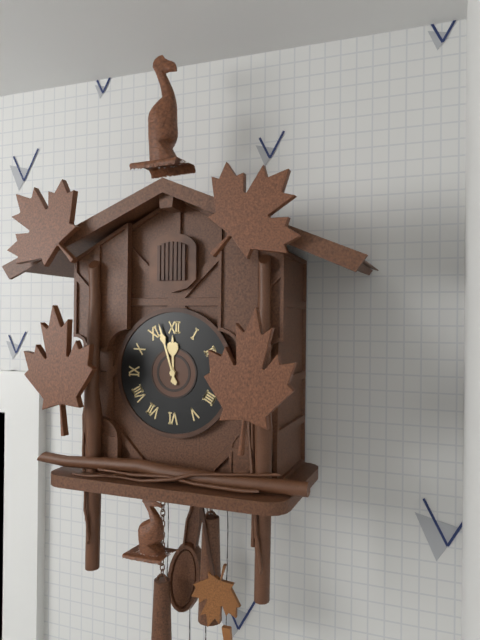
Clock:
11:57
